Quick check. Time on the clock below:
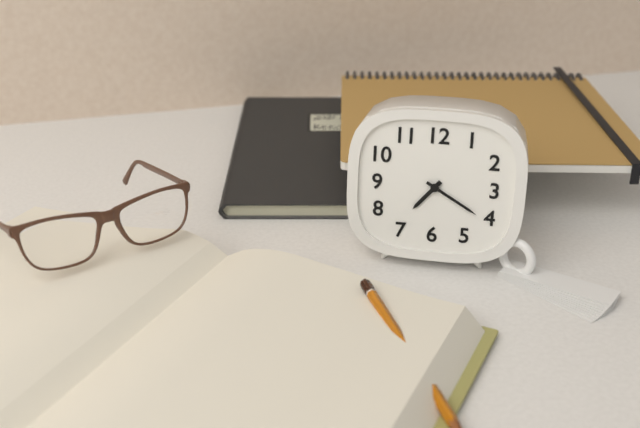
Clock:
7:20
